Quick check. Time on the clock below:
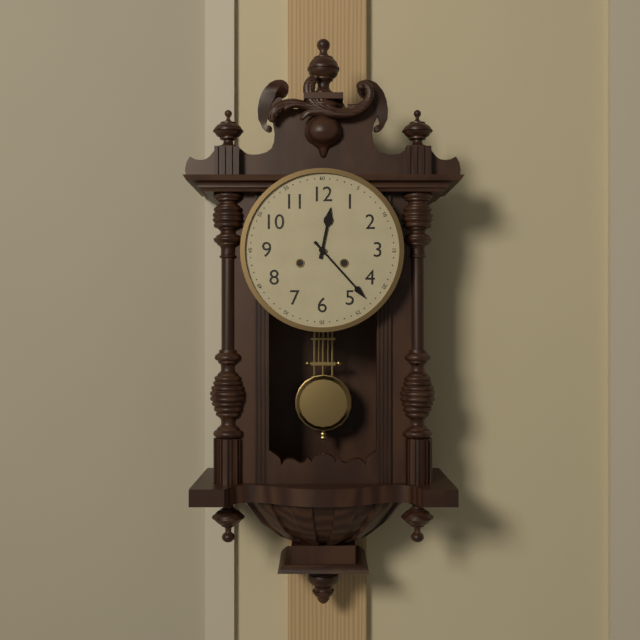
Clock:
12:23
